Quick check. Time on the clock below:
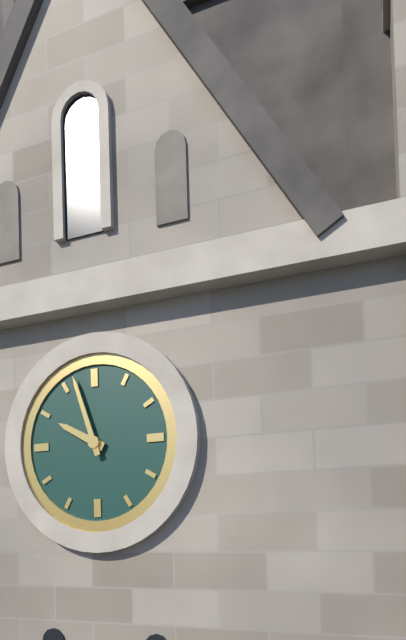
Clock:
9:57
